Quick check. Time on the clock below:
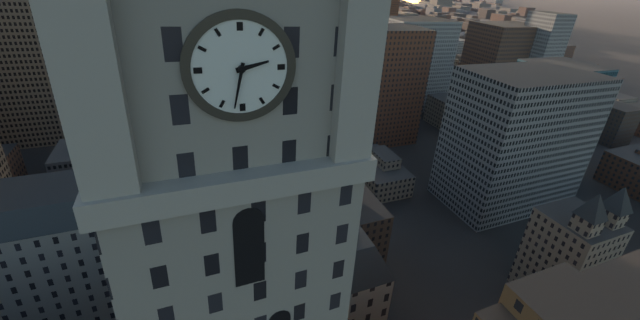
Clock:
2:32
